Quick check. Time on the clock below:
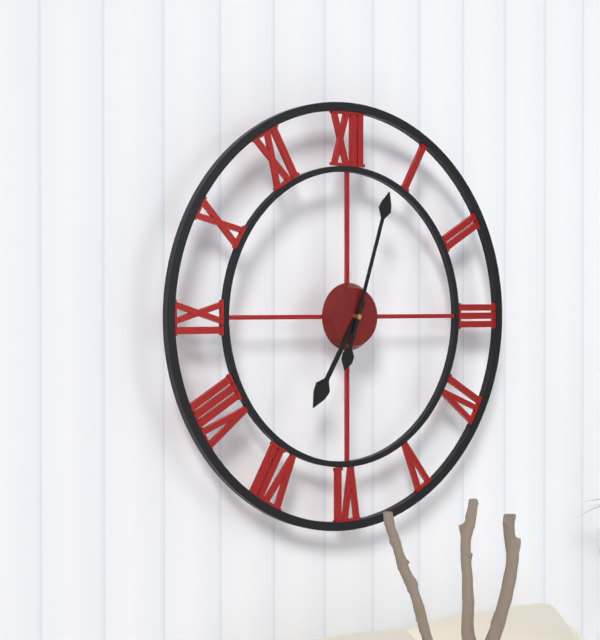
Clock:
7:03
